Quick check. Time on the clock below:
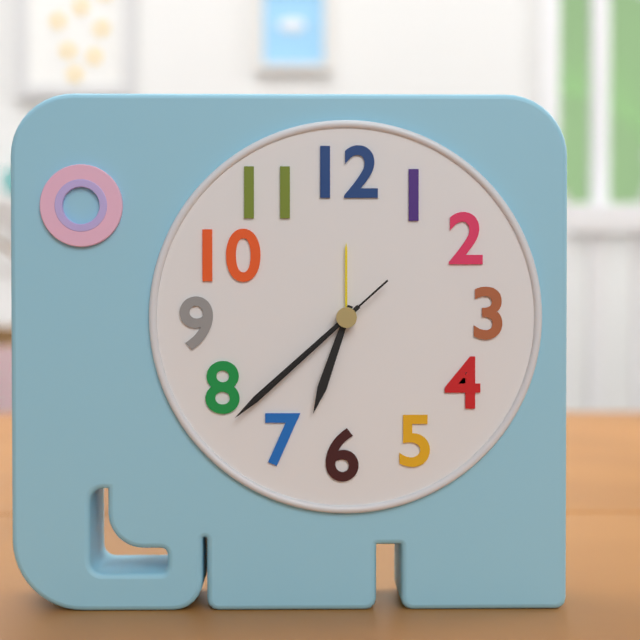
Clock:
6:38:38
